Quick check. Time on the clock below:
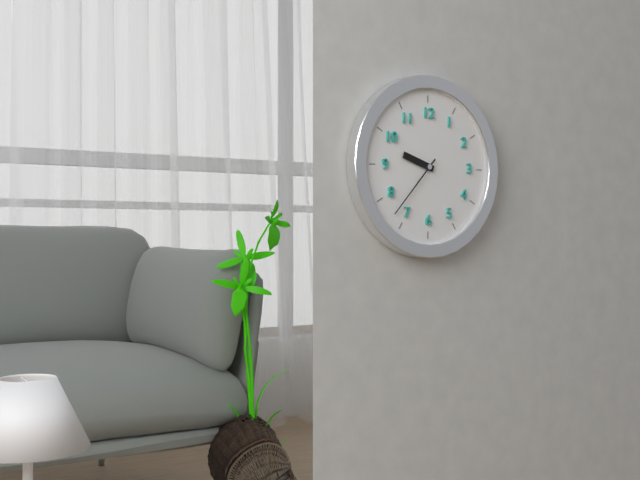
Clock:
9:37
